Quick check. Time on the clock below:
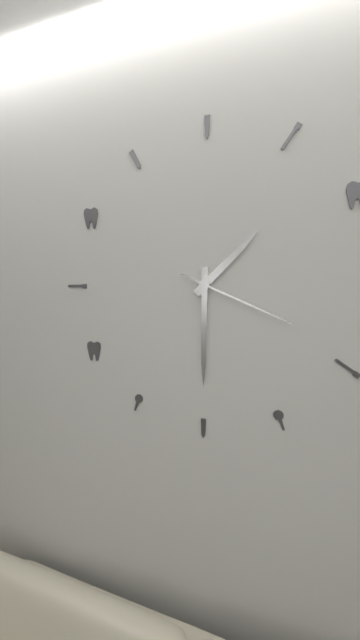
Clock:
1:30:19
